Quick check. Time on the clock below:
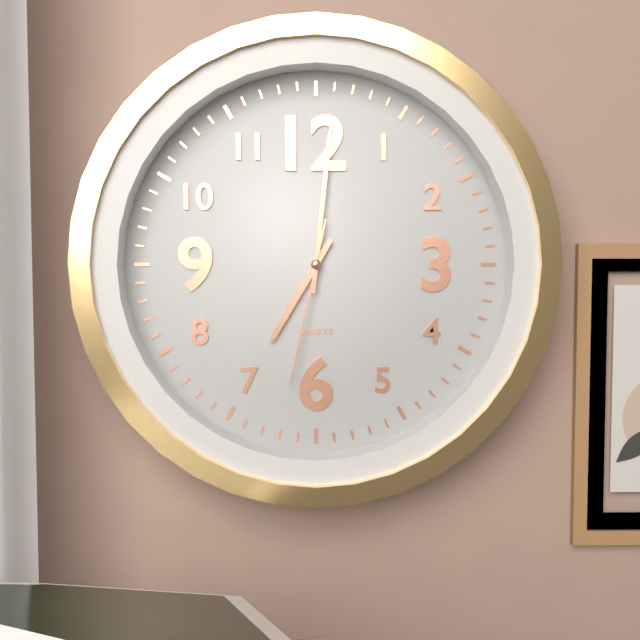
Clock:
7:01:32
